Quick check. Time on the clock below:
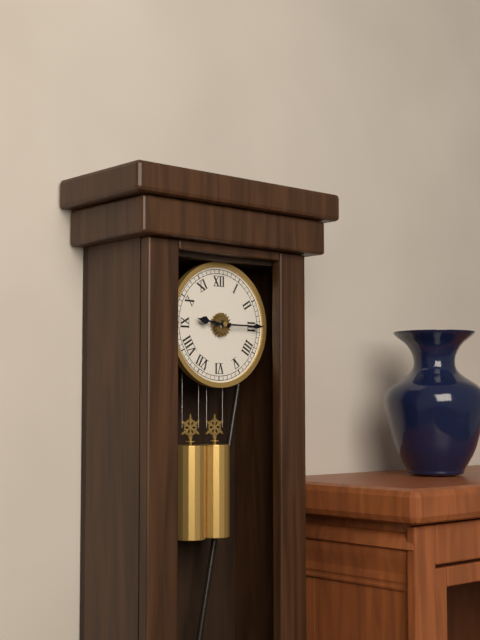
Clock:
9:15
